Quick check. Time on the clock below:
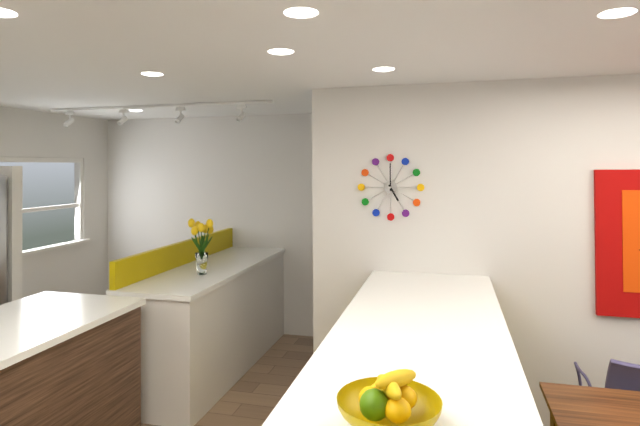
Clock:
5:00
